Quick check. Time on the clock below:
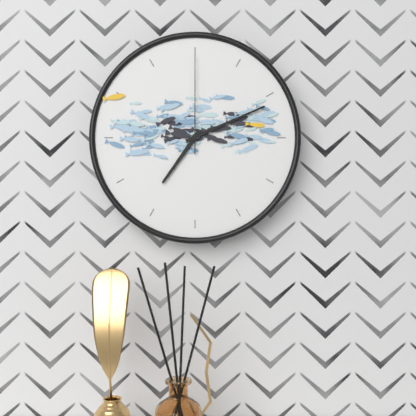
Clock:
7:11:00
